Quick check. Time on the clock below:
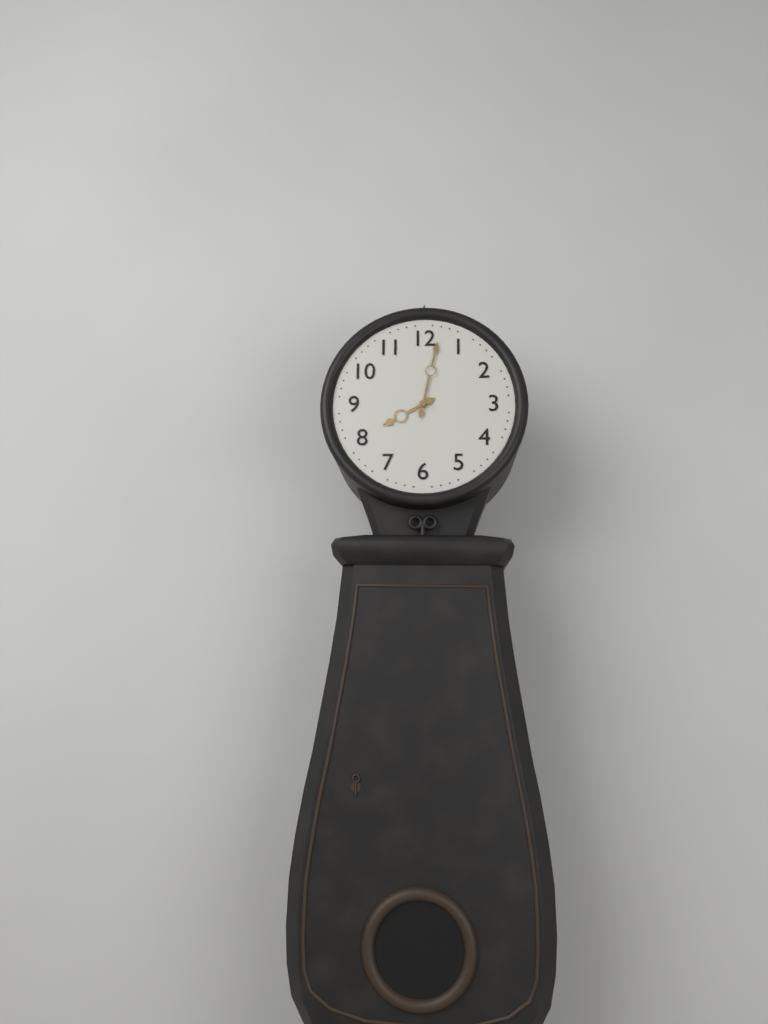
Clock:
8:02
